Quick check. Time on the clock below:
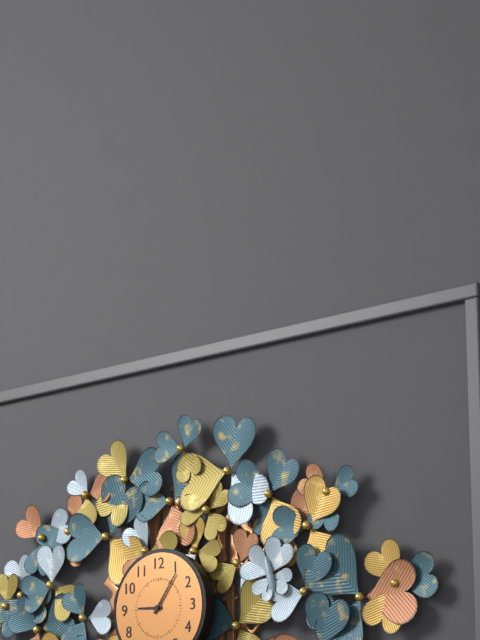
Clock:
9:06
